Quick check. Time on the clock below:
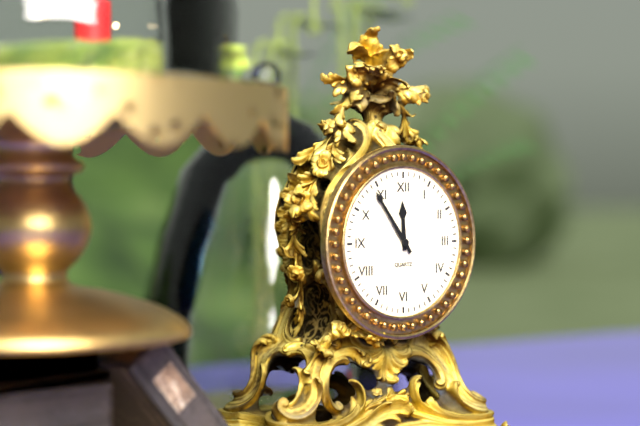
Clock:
11:54
